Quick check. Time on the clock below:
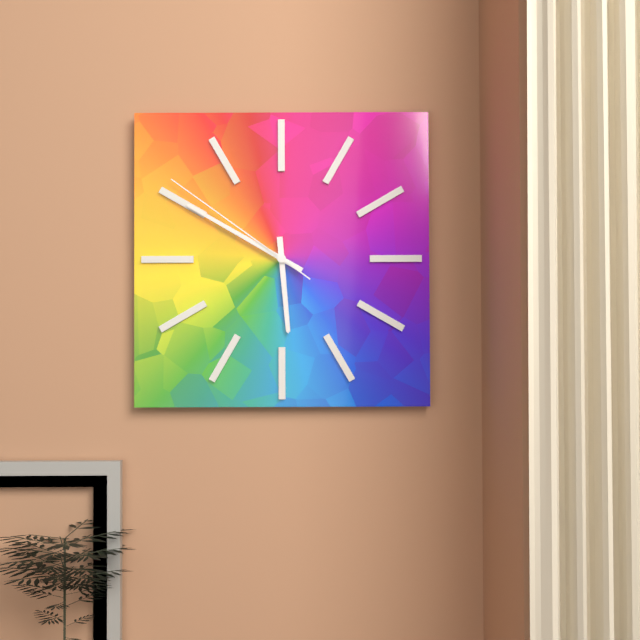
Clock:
5:50:51
